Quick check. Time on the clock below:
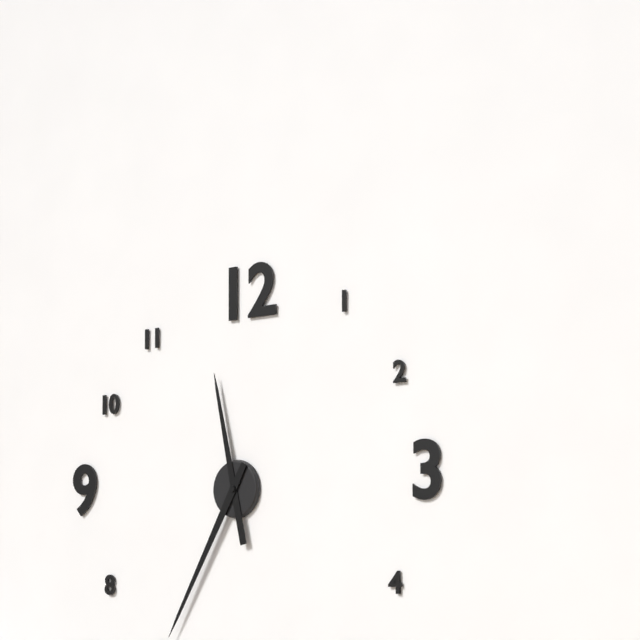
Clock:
11:35
